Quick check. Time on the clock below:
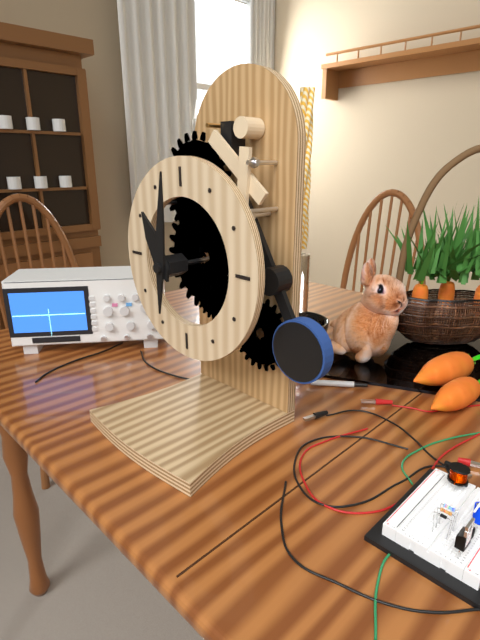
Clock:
11:01
